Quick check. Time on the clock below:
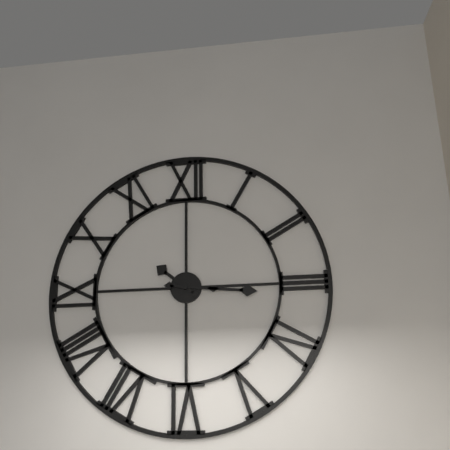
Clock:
10:16
